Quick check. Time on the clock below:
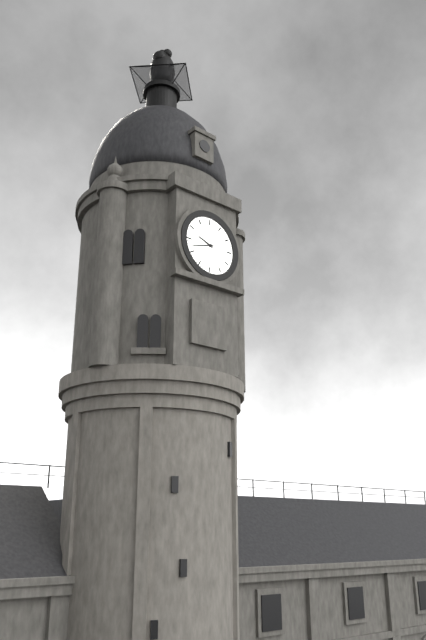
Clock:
9:42
